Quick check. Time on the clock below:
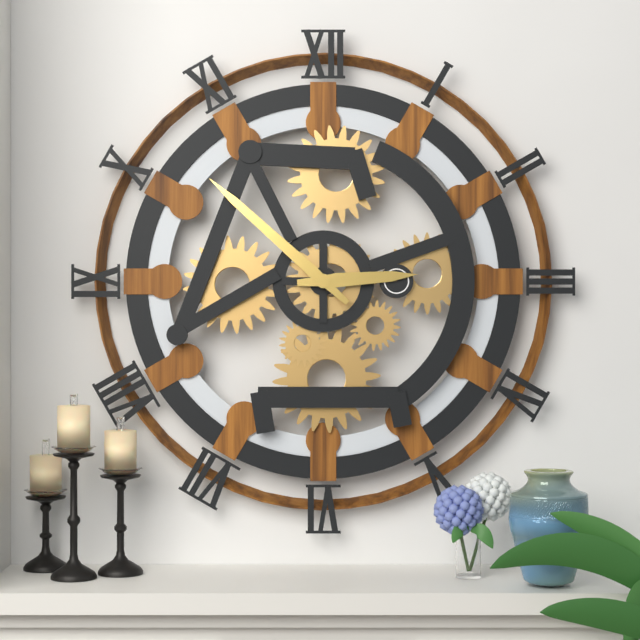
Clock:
2:52
